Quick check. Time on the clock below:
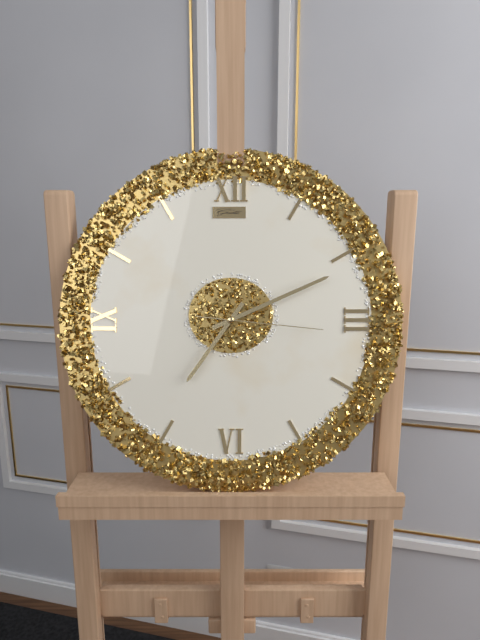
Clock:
7:11:16
